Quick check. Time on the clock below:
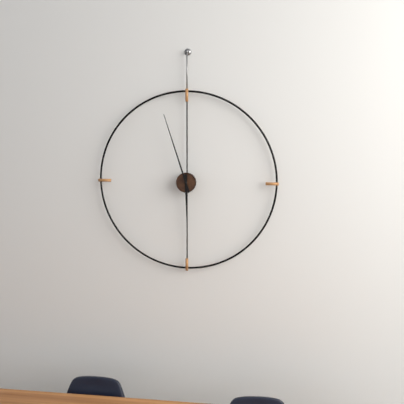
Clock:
5:57
